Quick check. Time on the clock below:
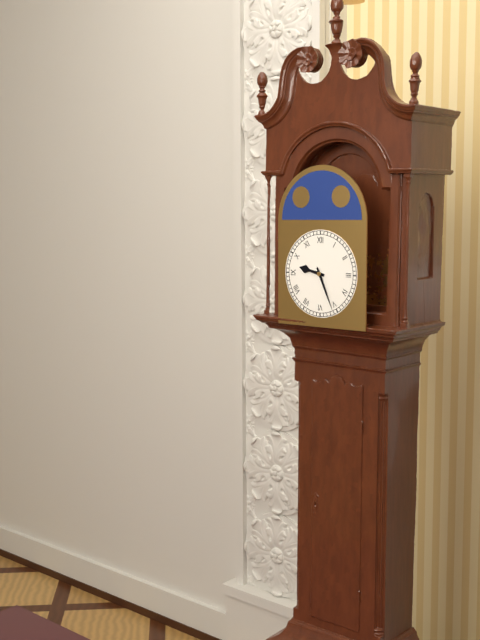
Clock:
9:26
